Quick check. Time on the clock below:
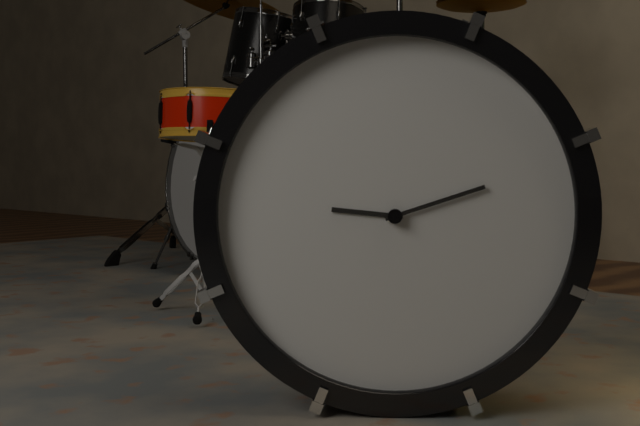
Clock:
9:12
